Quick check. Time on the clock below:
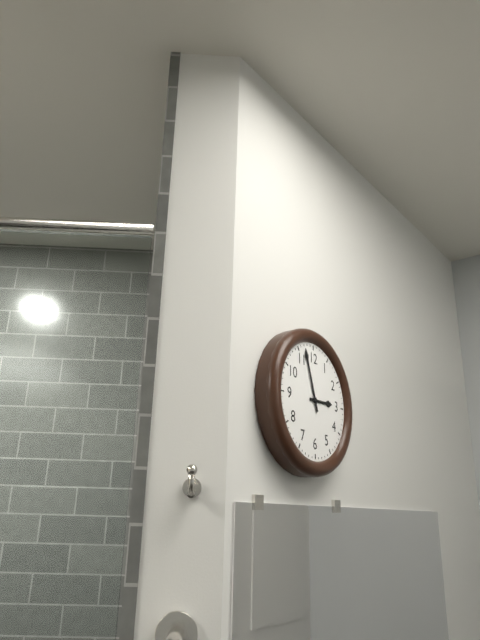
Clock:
2:57
